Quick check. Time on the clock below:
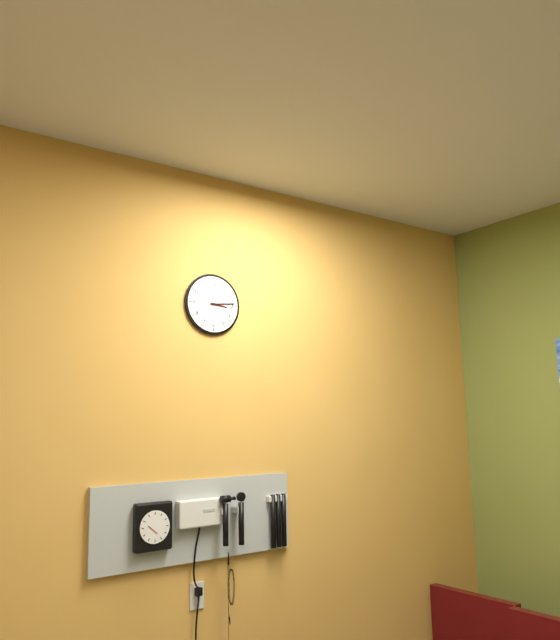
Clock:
3:14
